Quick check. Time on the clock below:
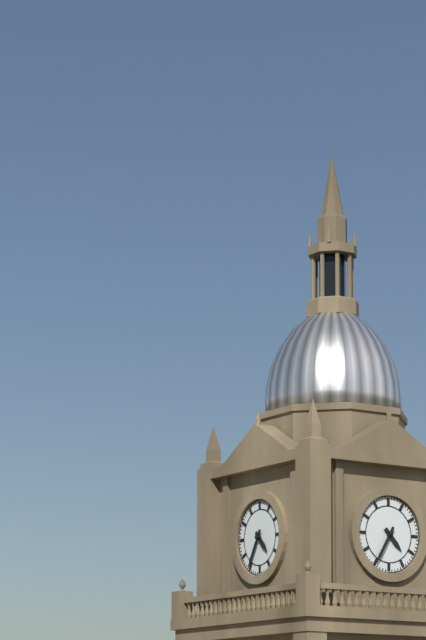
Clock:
4:35
